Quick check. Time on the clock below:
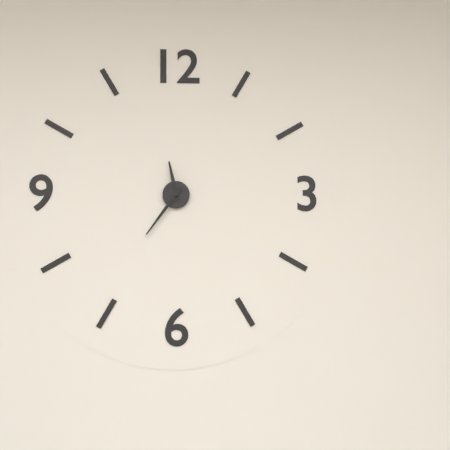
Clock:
11:36
